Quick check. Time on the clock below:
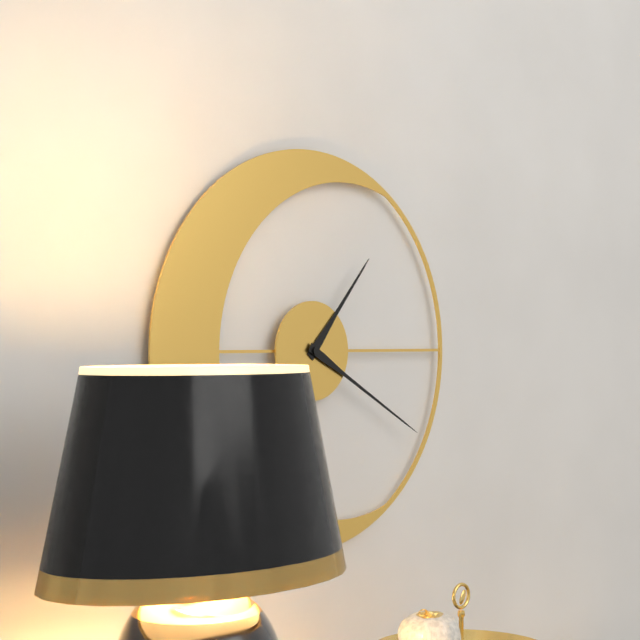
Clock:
1:20
